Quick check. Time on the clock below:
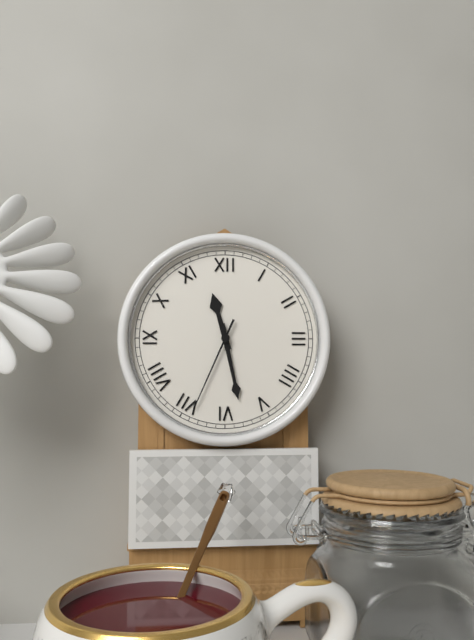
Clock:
11:28:34
